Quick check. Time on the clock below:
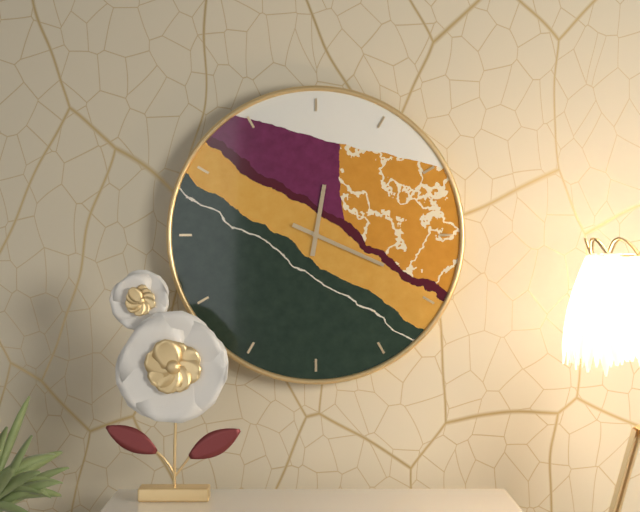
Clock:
12:19
